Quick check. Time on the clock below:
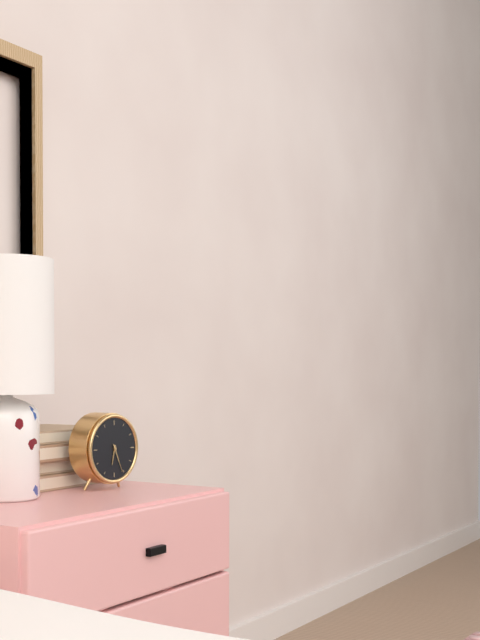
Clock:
6:26
